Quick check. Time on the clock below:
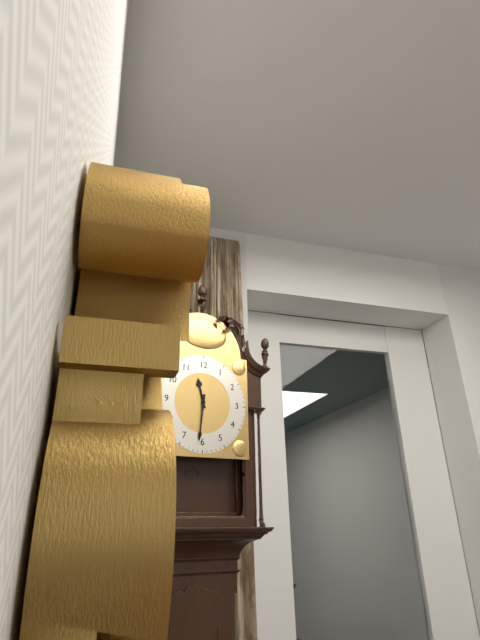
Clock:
11:31
